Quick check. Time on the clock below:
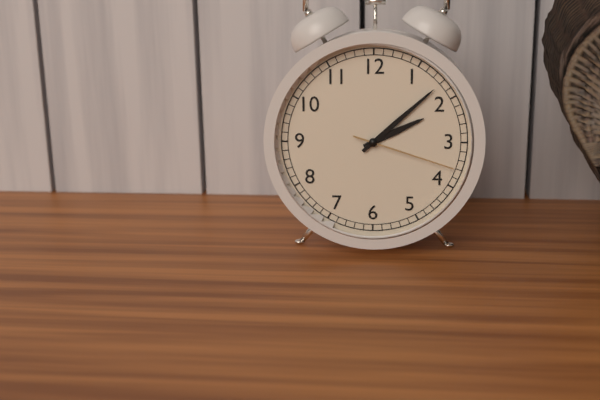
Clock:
2:08:18
